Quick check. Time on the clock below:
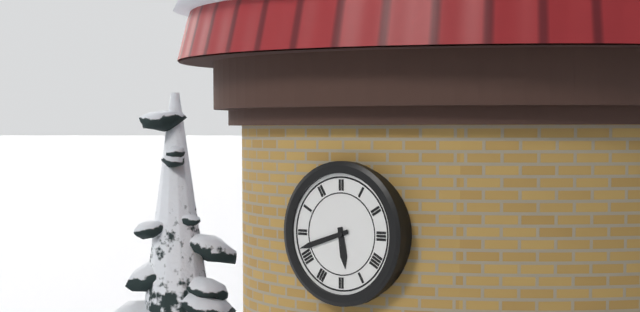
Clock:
5:42
